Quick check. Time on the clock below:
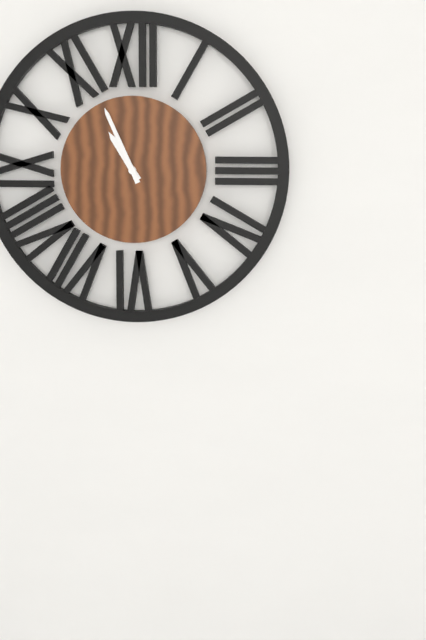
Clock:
10:56
